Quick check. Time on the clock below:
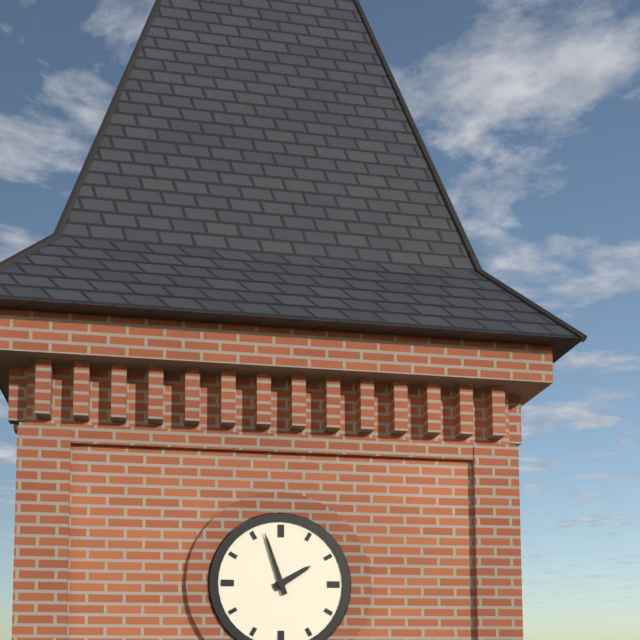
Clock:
1:57
